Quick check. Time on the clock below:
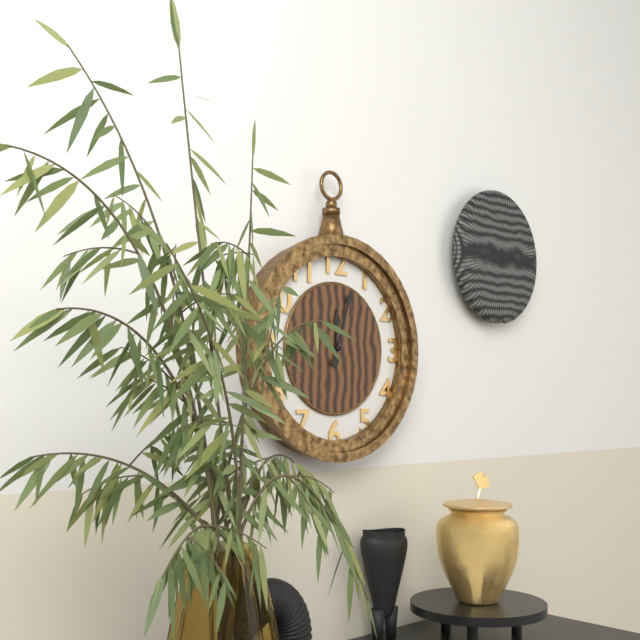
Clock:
12:03
